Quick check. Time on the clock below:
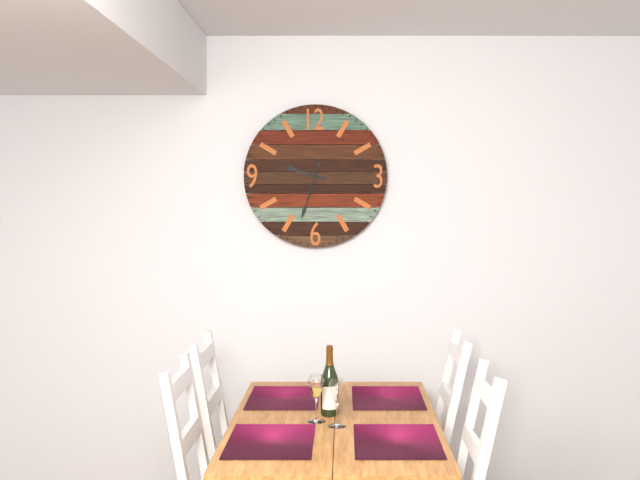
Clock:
9:33
